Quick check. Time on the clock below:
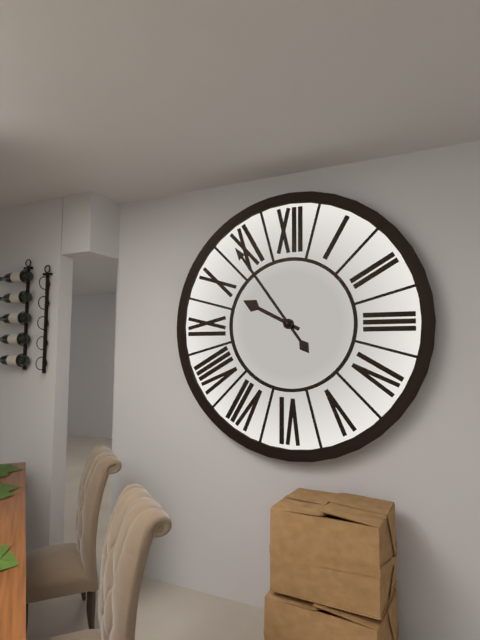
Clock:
9:54
